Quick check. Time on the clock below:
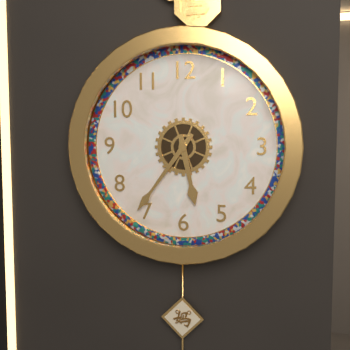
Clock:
5:36
